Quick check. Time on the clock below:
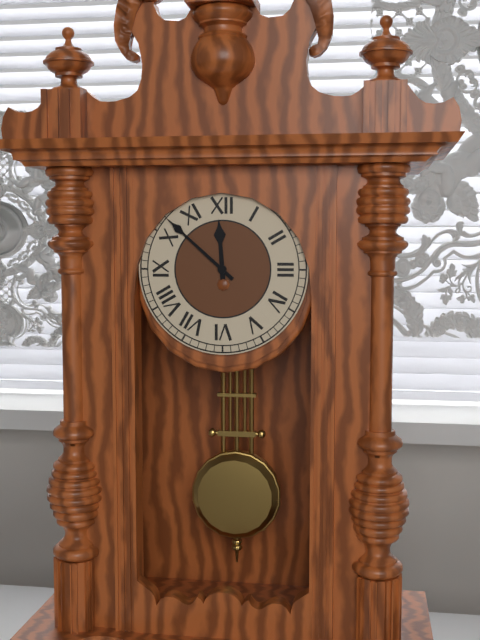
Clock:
11:52
